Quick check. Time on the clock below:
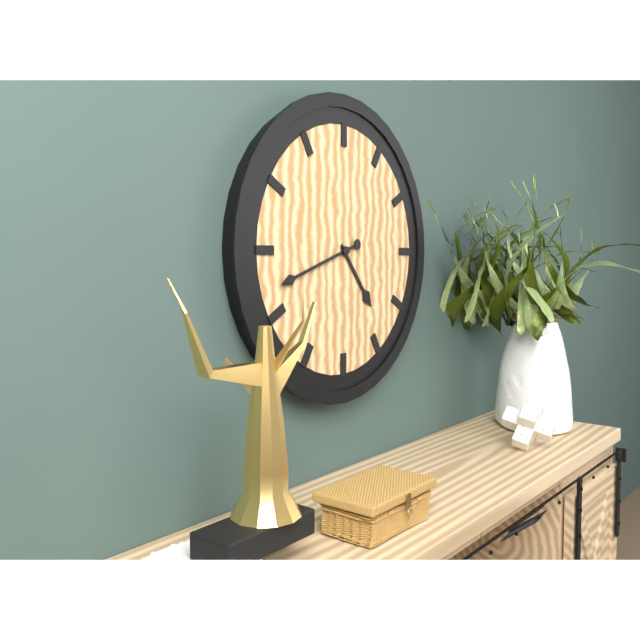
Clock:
4:42
